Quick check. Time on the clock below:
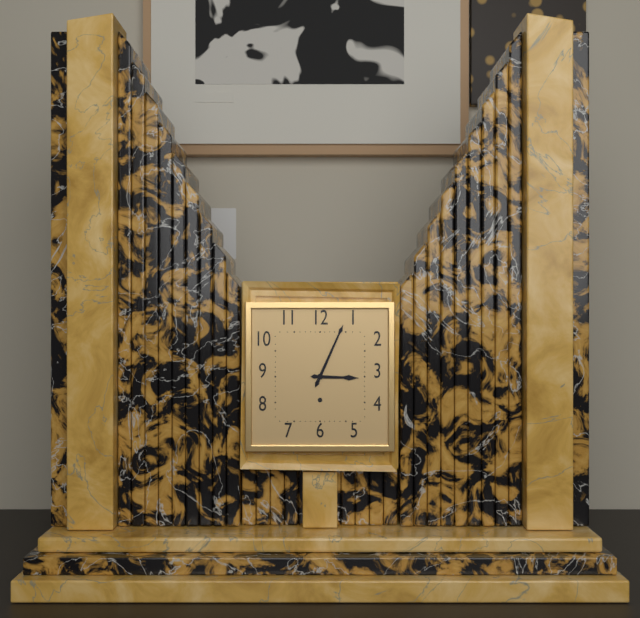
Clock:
3:04
